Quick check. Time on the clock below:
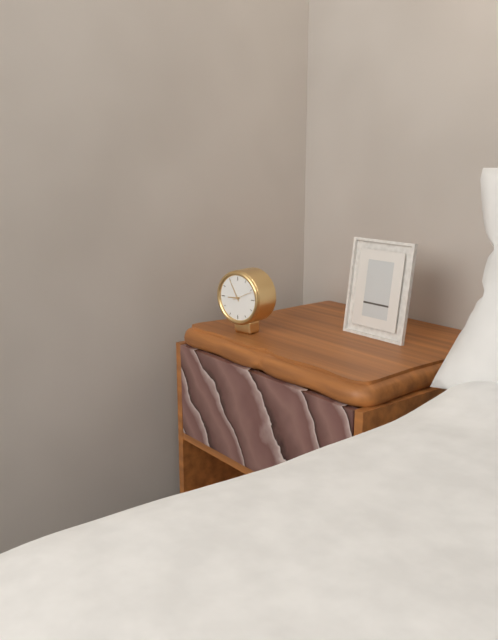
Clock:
8:55
